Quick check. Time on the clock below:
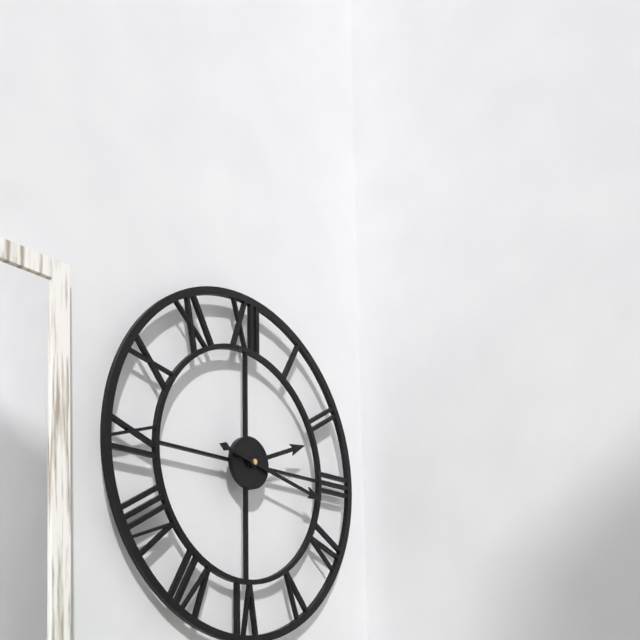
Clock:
2:17
